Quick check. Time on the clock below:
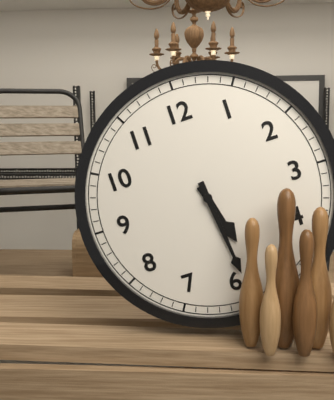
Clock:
5:29
